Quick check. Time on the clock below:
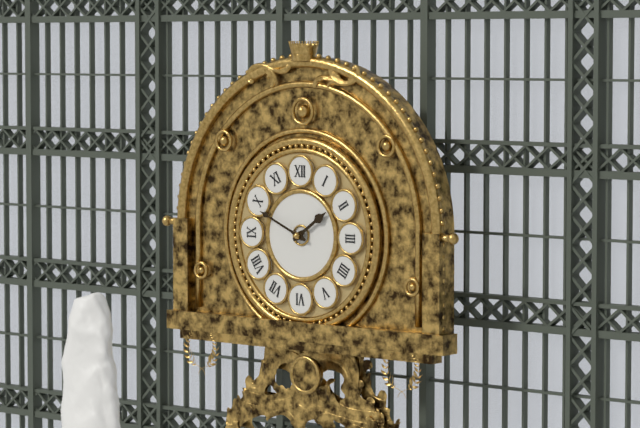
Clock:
1:49
